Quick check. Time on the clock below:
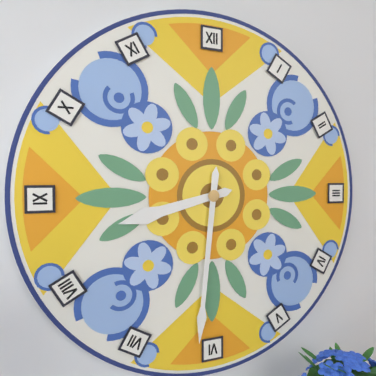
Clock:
8:31
